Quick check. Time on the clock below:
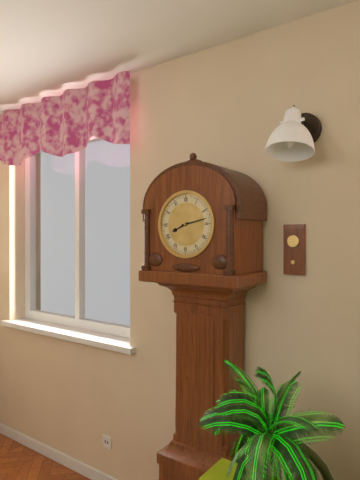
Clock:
8:13
